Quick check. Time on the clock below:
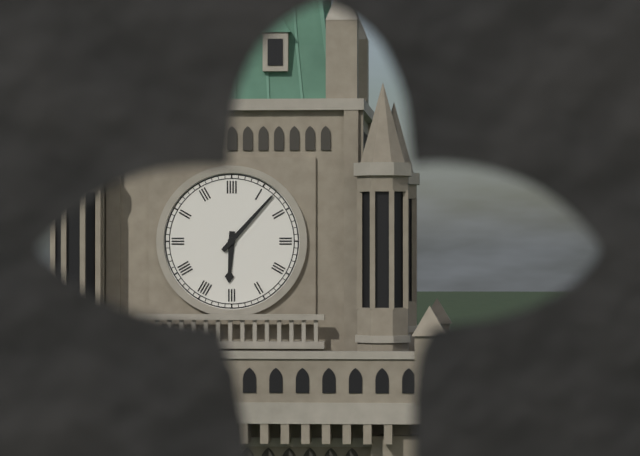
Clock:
6:07
